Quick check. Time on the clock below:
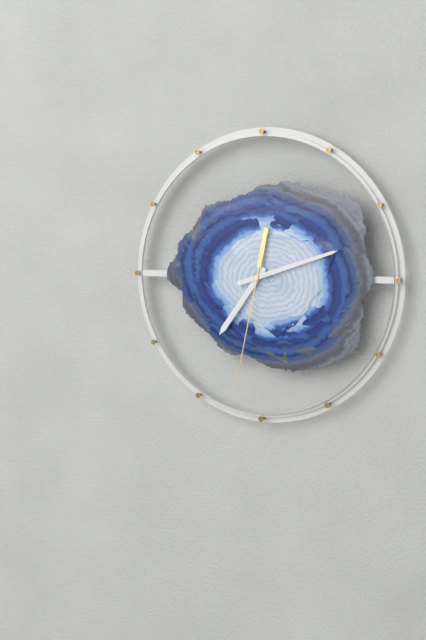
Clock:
7:12:32
